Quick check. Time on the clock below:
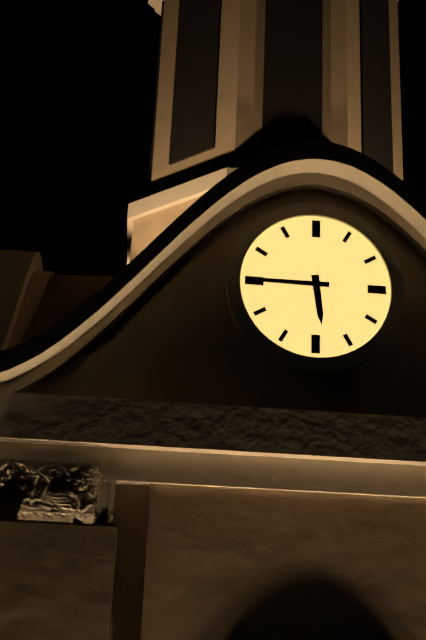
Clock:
5:45
